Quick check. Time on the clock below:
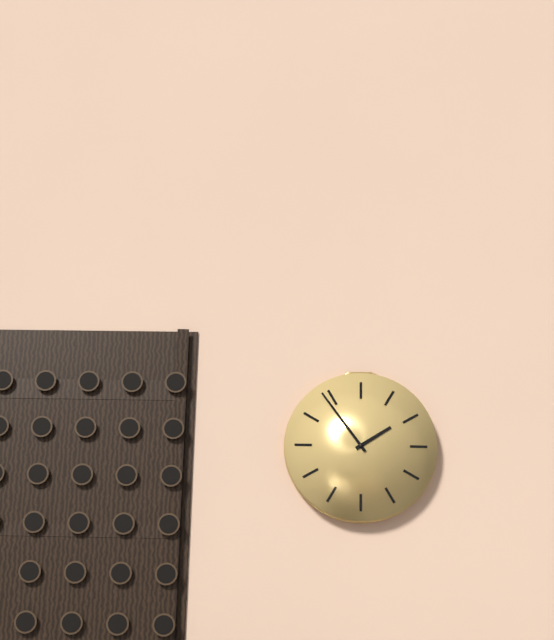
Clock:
1:54
